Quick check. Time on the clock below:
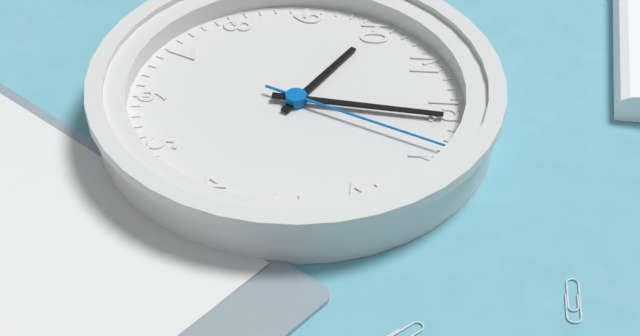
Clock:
10:01:04
